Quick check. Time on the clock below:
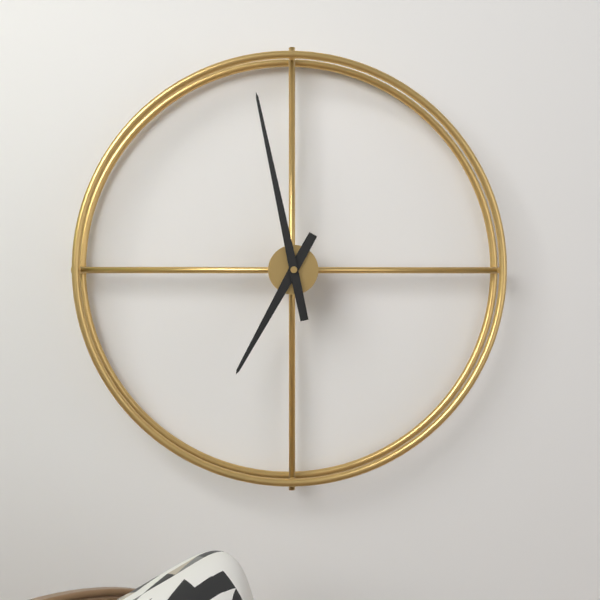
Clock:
6:58
